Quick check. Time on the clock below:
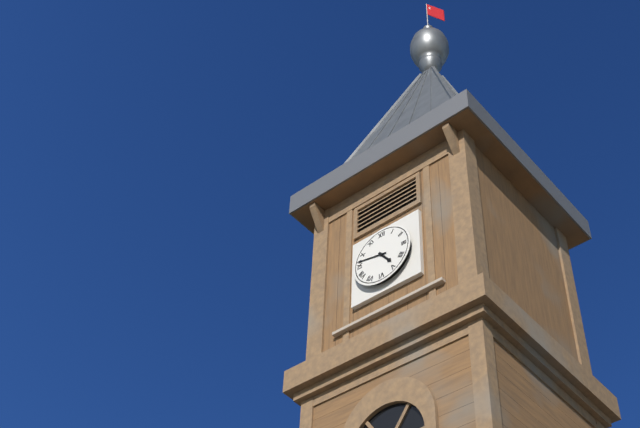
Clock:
4:47
